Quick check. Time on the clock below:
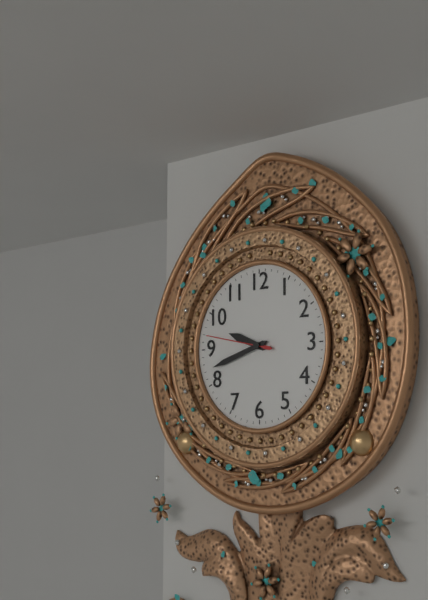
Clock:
9:42:47
